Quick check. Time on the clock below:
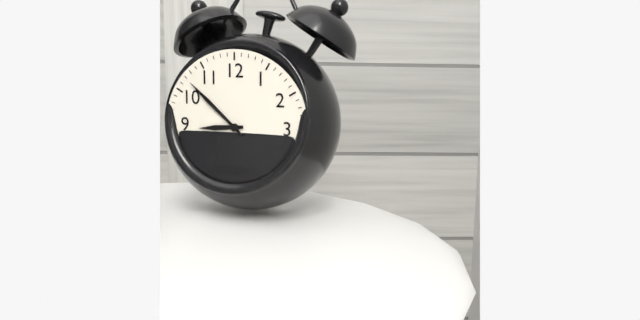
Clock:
8:52
